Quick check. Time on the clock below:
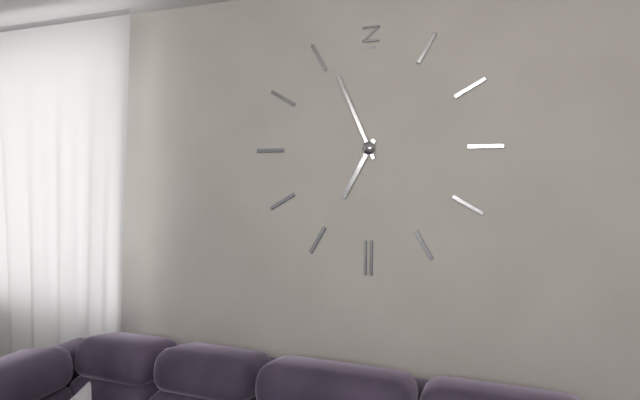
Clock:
6:56
